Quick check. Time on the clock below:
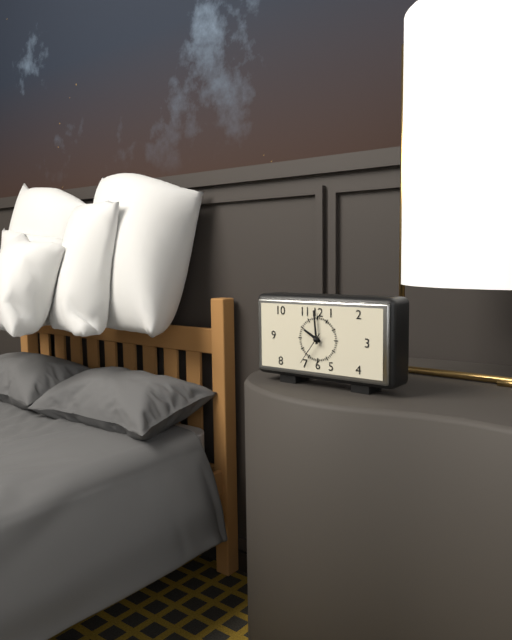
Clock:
9:59
